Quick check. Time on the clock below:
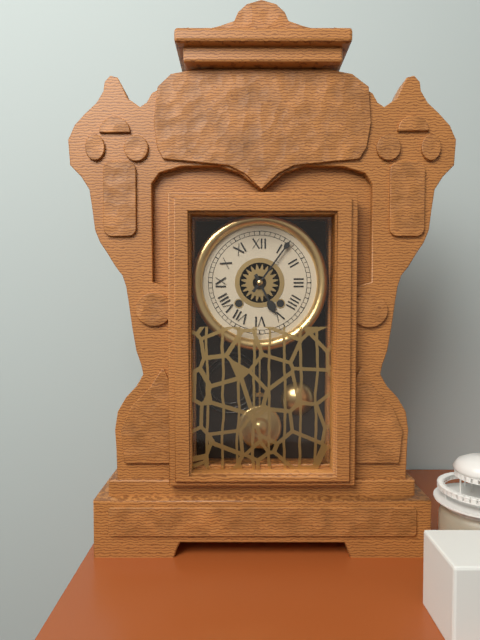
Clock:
5:06
